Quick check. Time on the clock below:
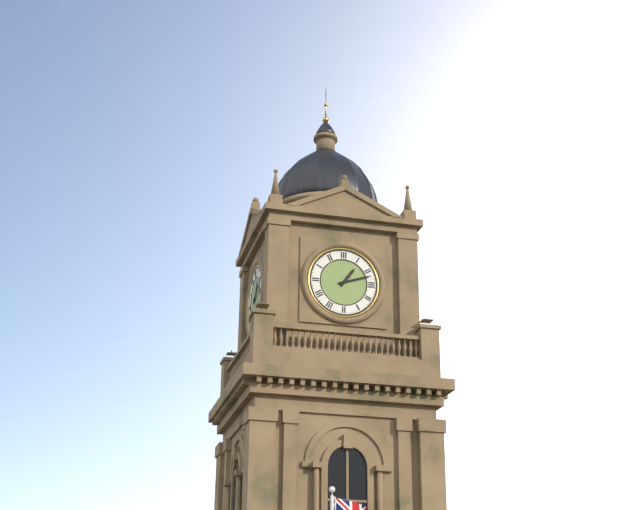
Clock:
1:12
